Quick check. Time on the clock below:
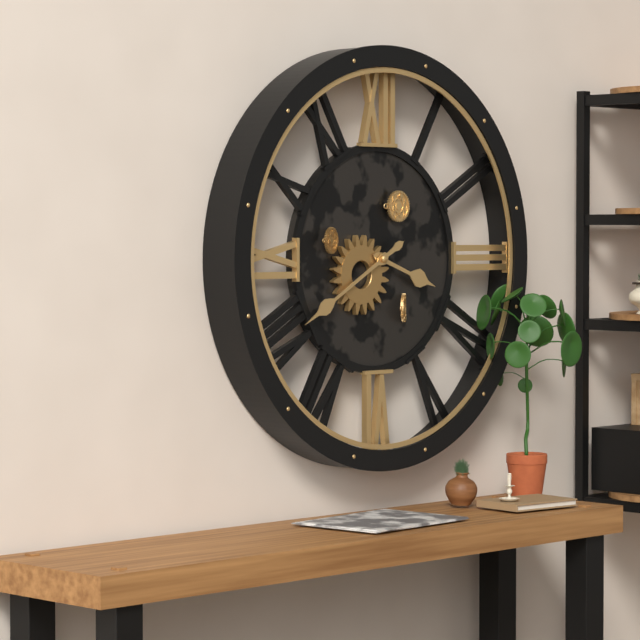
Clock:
3:40
